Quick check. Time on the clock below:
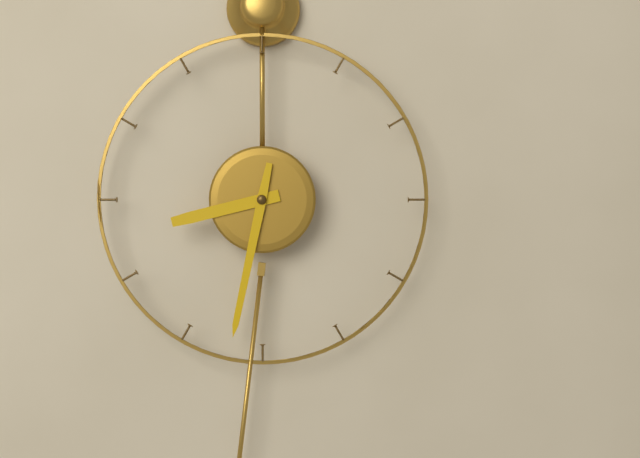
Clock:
8:32
